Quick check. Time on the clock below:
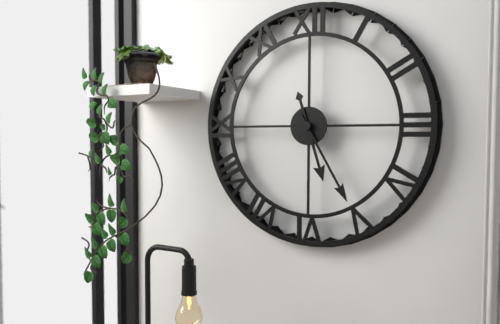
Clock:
5:25
